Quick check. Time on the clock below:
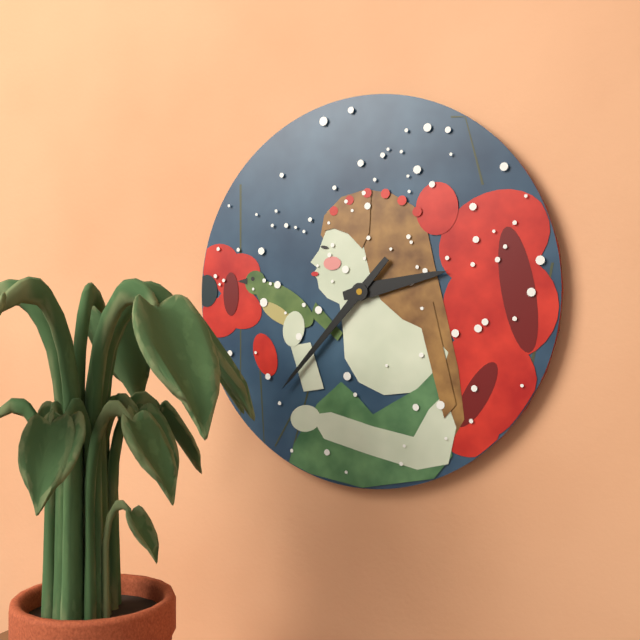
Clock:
2:37
